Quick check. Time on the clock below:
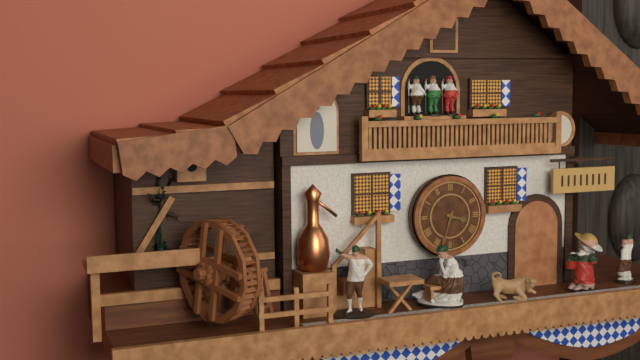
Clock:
3:33
